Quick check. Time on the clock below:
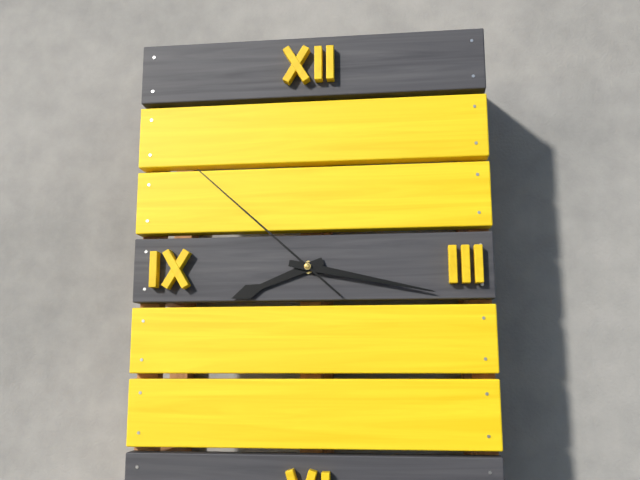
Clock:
8:17:52
